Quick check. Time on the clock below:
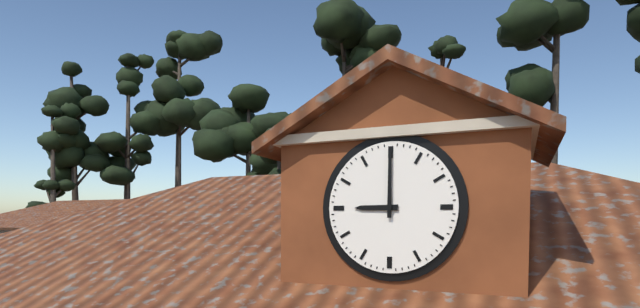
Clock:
9:00
